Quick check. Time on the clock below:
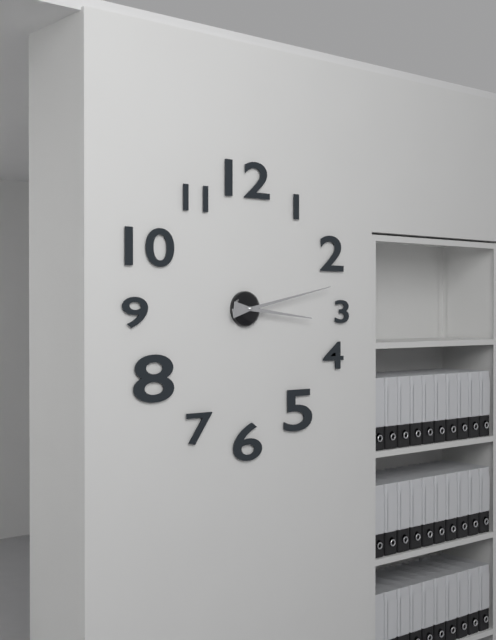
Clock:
3:13
